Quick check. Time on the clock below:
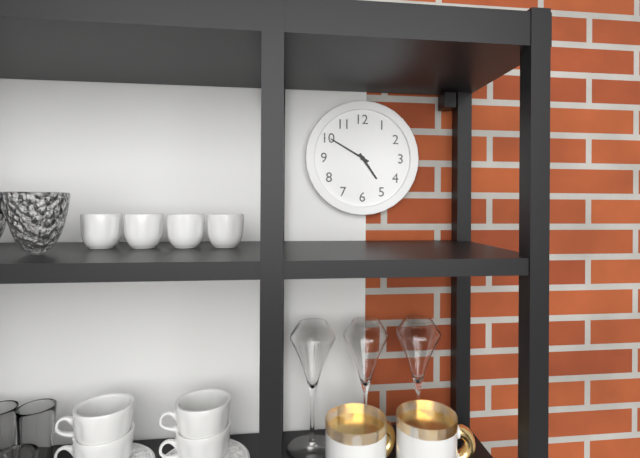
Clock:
4:50
